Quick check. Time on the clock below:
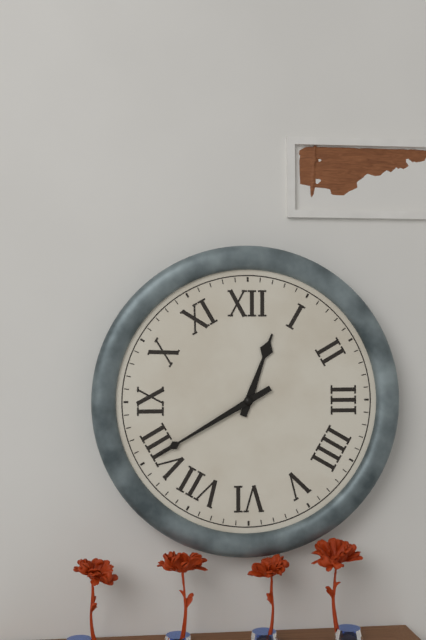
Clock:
12:40
